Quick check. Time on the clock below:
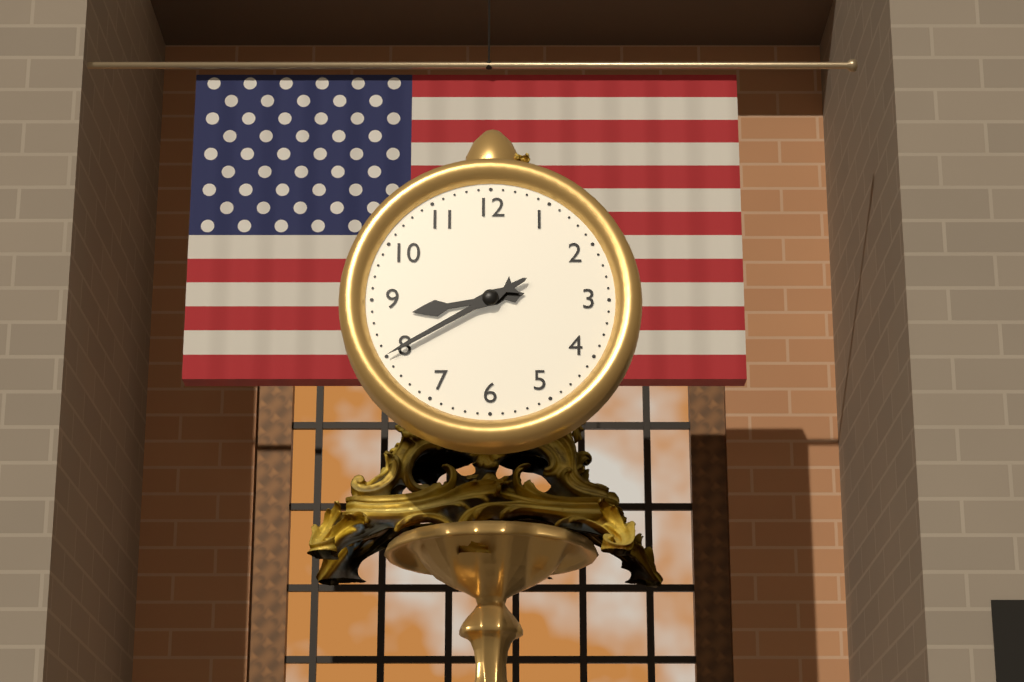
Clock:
8:40
